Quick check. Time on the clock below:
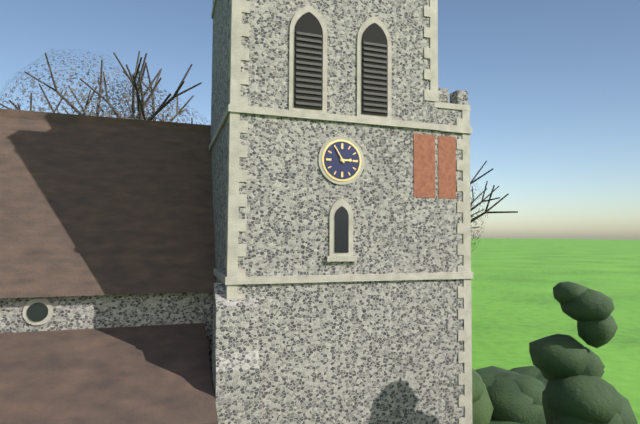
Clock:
2:55
